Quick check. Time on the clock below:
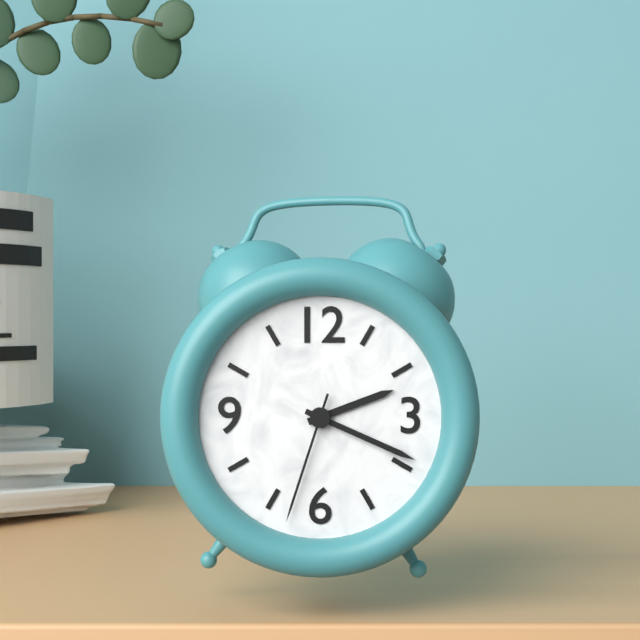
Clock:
2:19:33
